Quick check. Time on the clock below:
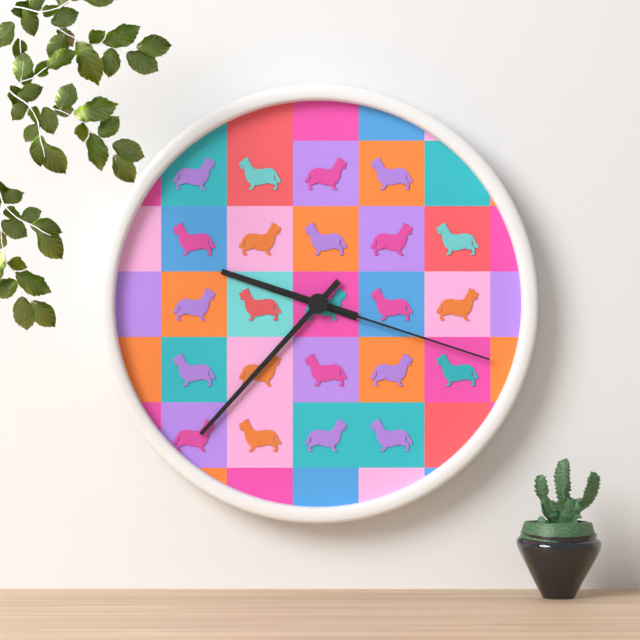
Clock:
9:37:18
